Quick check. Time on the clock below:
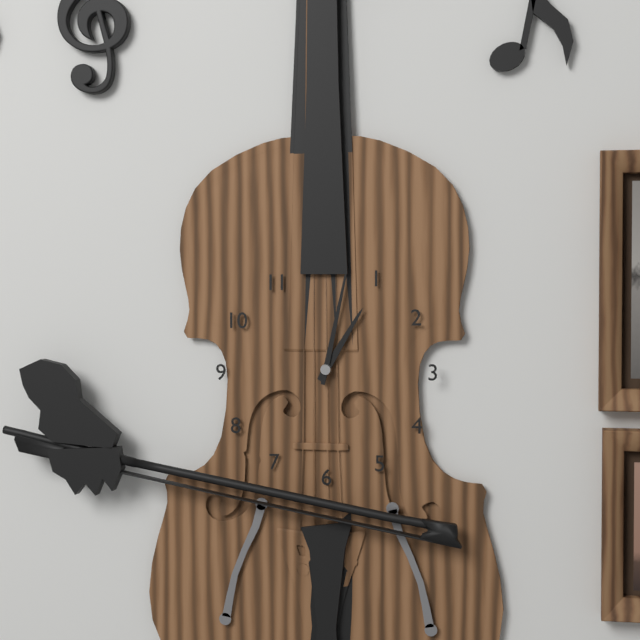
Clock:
1:02
